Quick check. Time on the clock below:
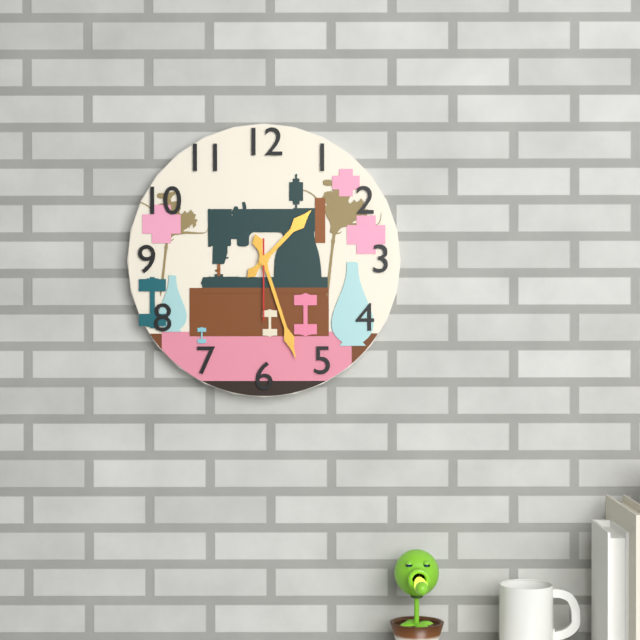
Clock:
1:27:30
